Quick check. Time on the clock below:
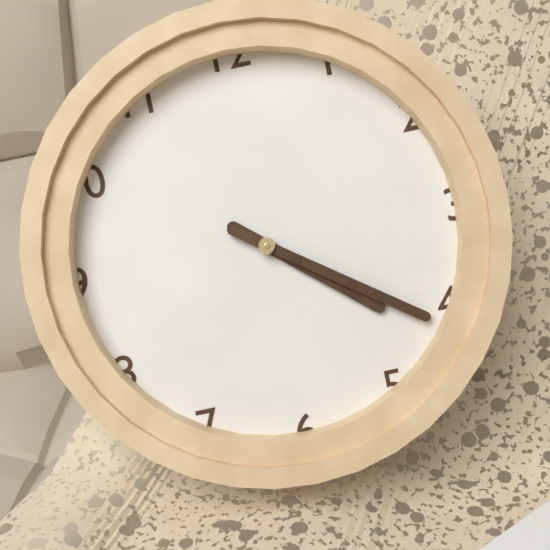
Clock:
4:21
